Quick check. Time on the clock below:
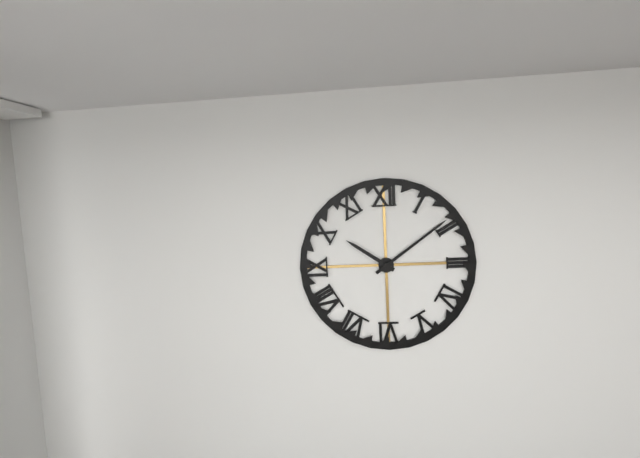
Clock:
10:09
